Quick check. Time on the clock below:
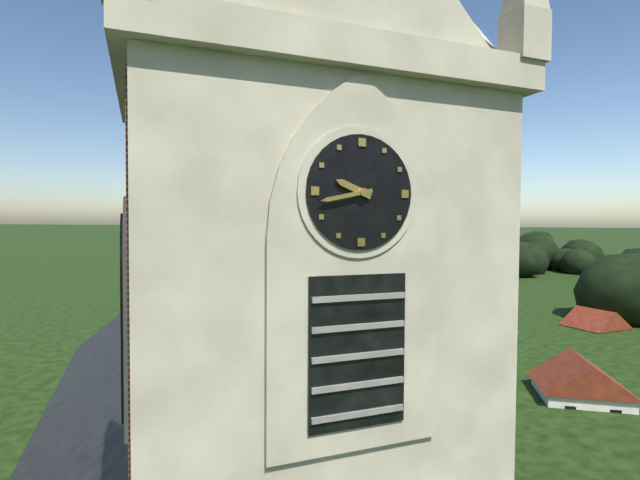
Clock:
9:43
